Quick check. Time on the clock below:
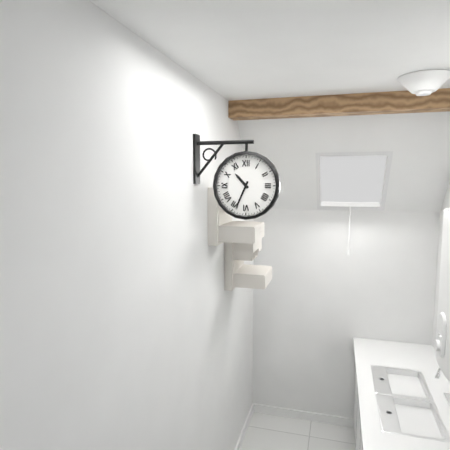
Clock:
10:34
